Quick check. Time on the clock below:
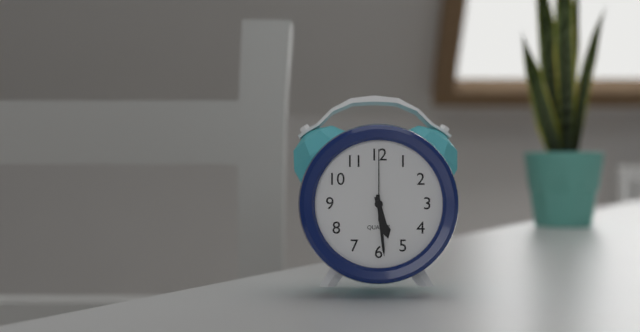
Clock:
5:29:00
